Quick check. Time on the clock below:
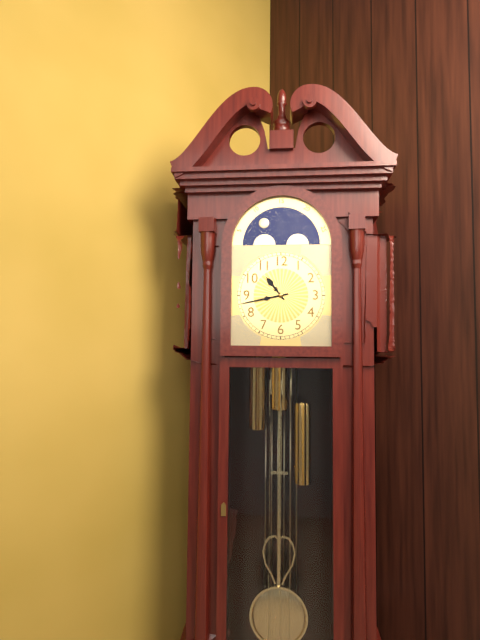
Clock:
10:43
